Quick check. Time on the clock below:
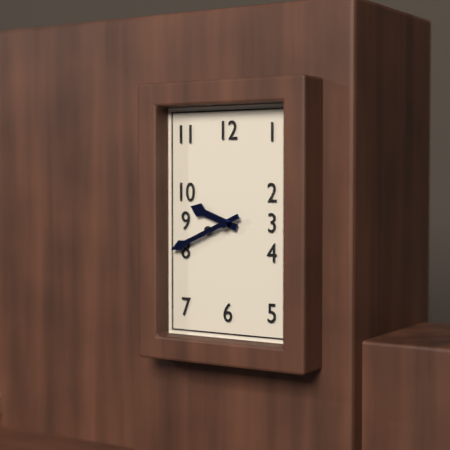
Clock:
9:41
